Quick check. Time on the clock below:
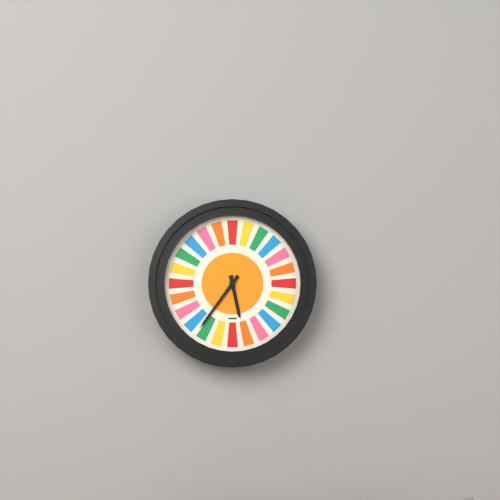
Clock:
5:36
